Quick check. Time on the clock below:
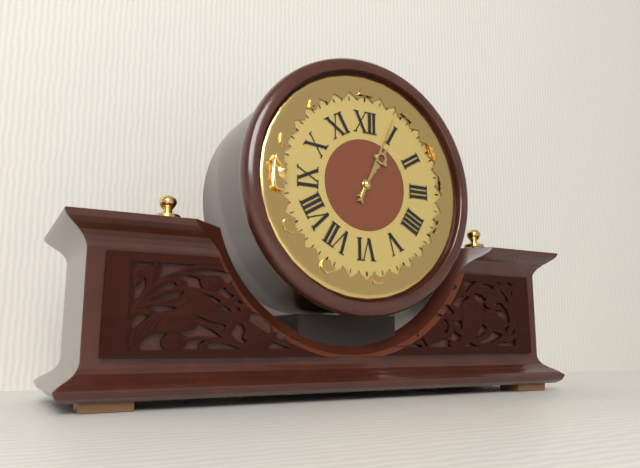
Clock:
1:04
